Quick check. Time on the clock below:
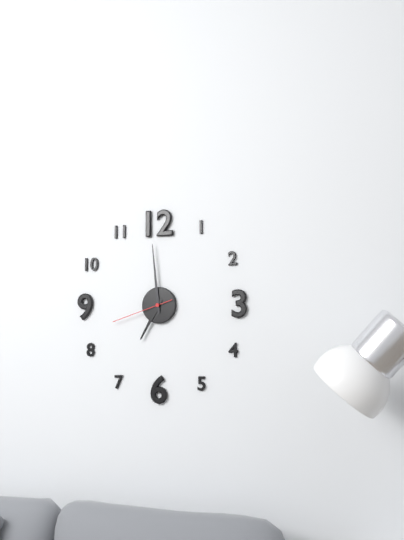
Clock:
6:59:42
